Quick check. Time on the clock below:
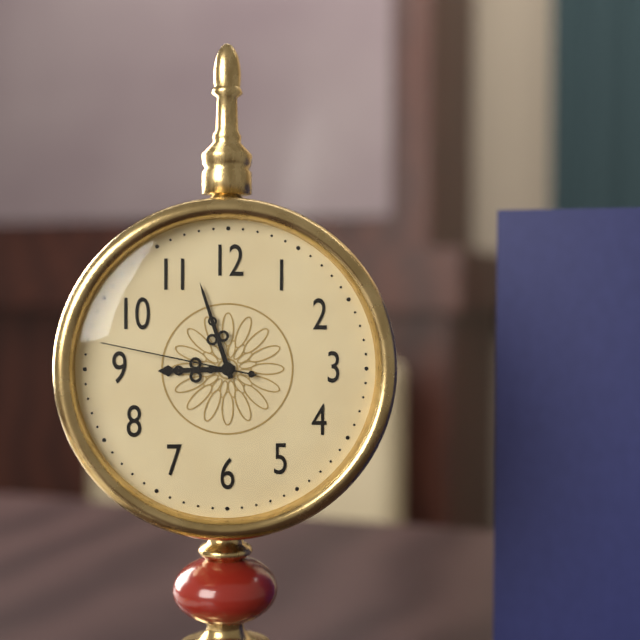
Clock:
8:57:47
